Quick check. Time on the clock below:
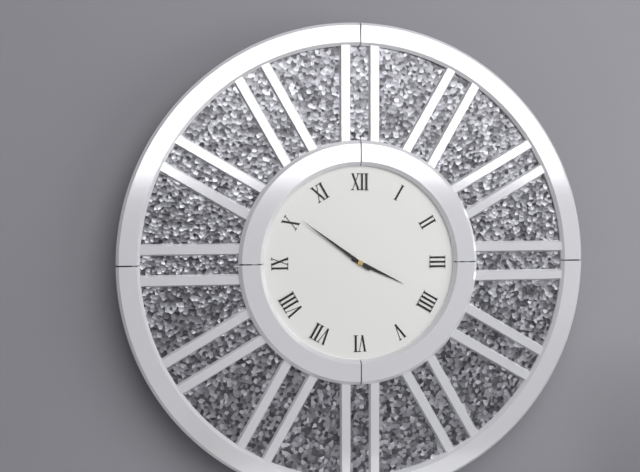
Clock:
3:51
